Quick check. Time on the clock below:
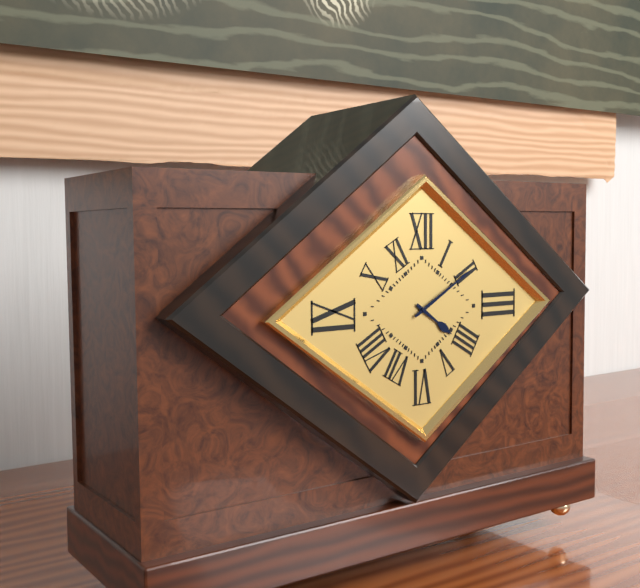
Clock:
4:10
